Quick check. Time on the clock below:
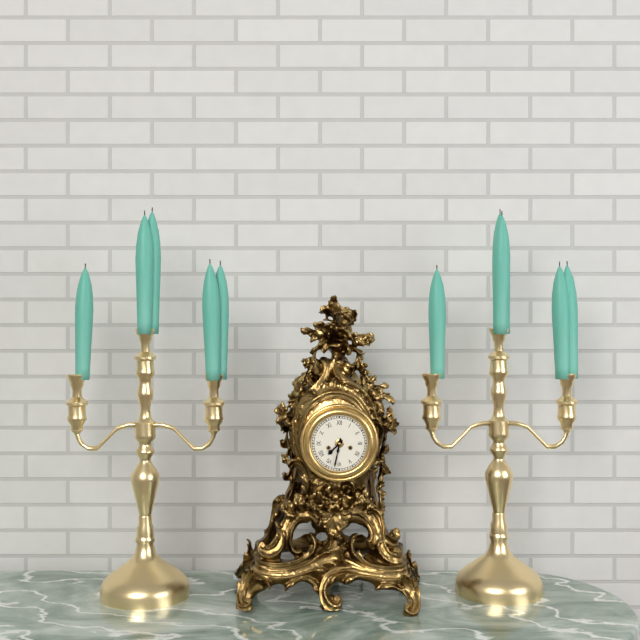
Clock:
7:32
